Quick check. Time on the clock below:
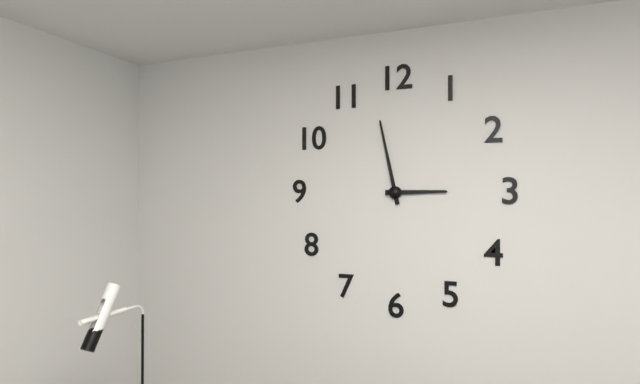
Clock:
2:58
